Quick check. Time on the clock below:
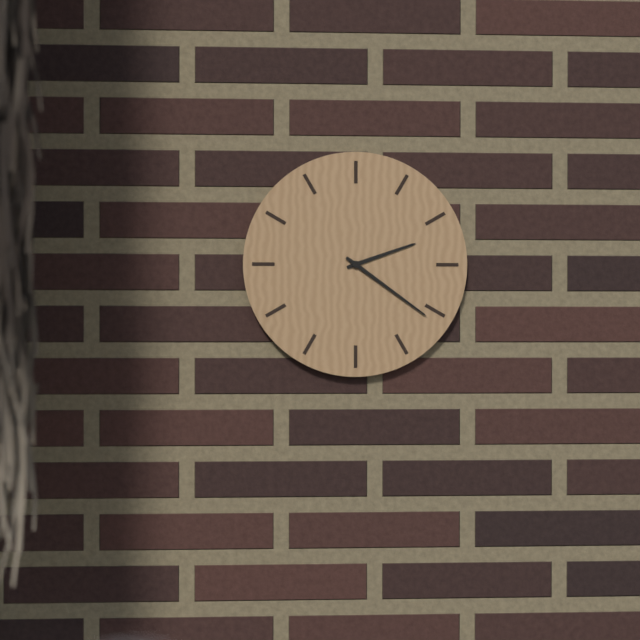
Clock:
2:21
